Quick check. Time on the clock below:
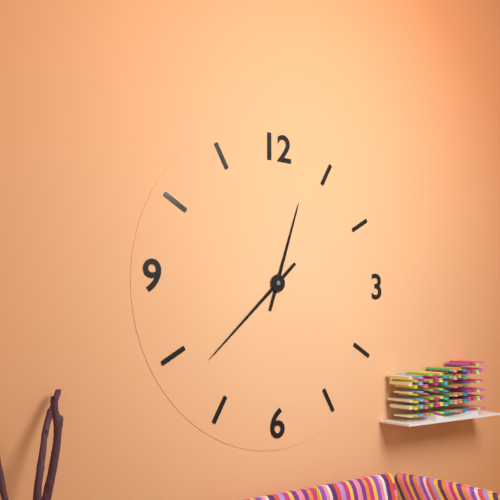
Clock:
12:38
